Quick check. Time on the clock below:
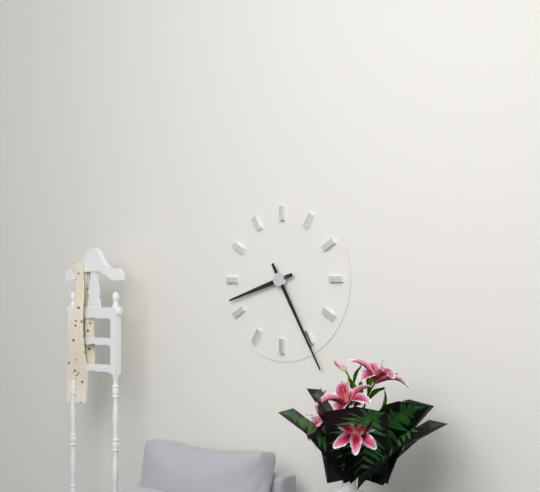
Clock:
8:25
